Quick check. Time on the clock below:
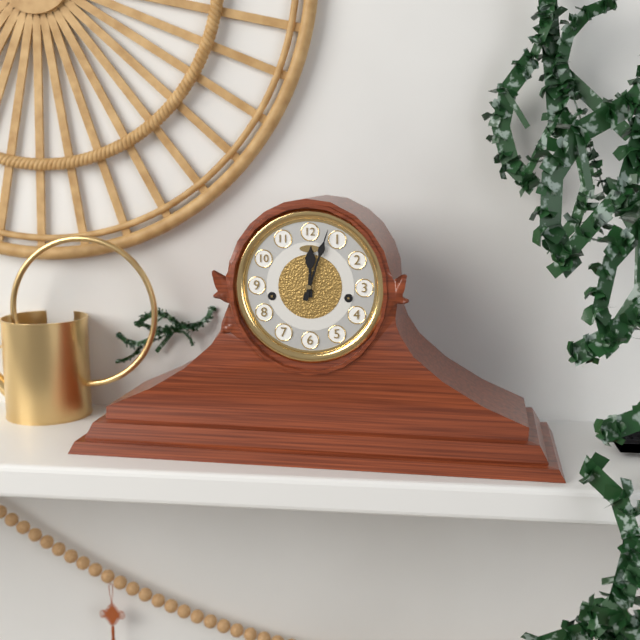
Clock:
12:03
